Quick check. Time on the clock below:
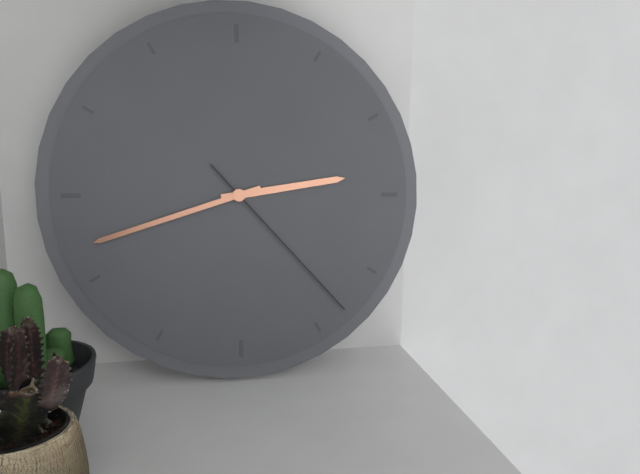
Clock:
2:42:23
